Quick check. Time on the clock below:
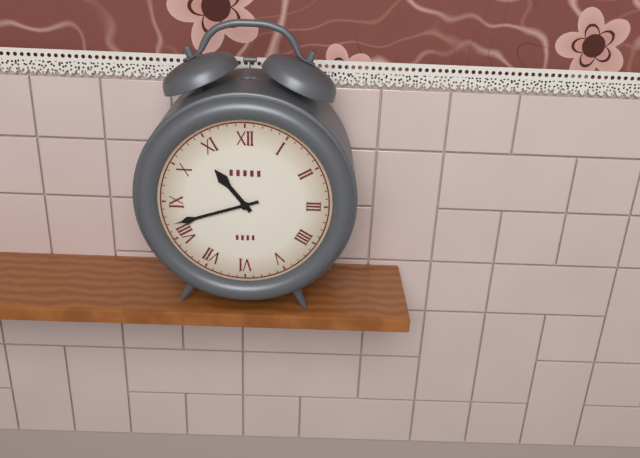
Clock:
10:42
